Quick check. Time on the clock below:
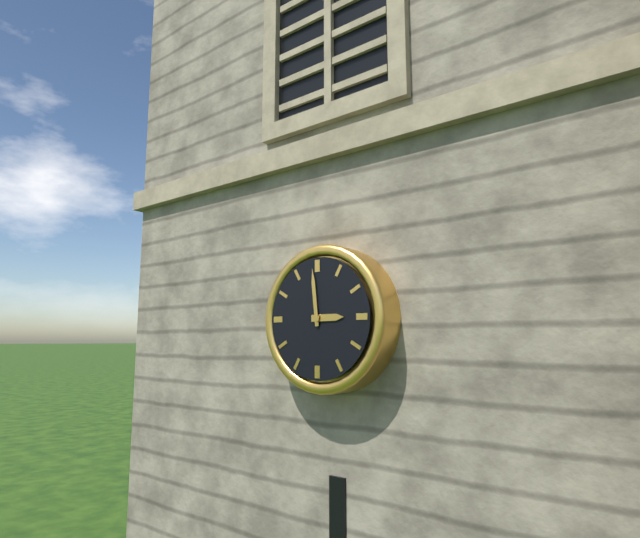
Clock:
2:59
